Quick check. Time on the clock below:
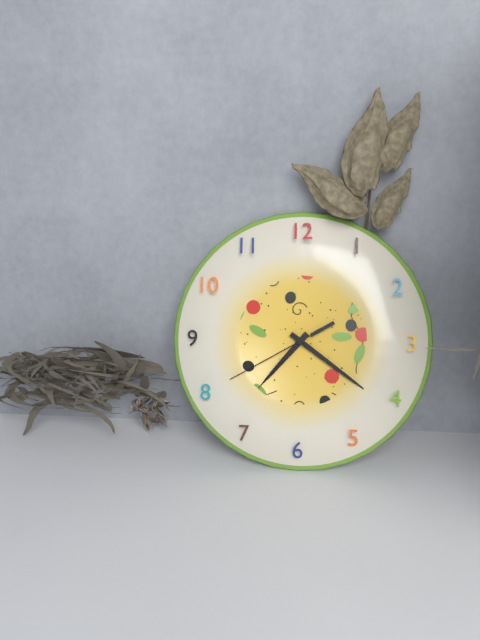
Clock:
7:21:40
